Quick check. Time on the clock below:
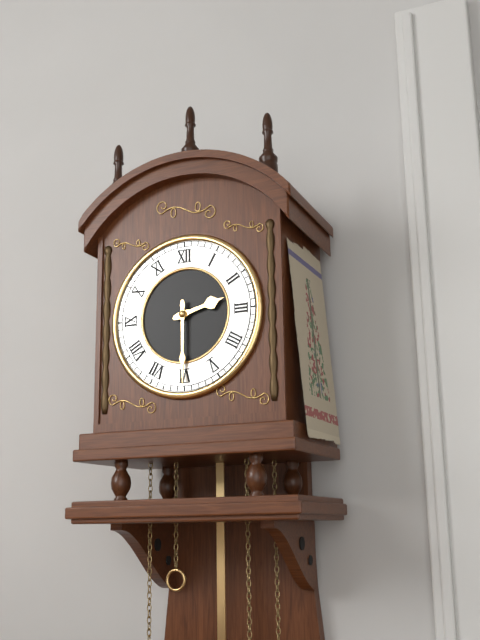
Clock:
2:30
